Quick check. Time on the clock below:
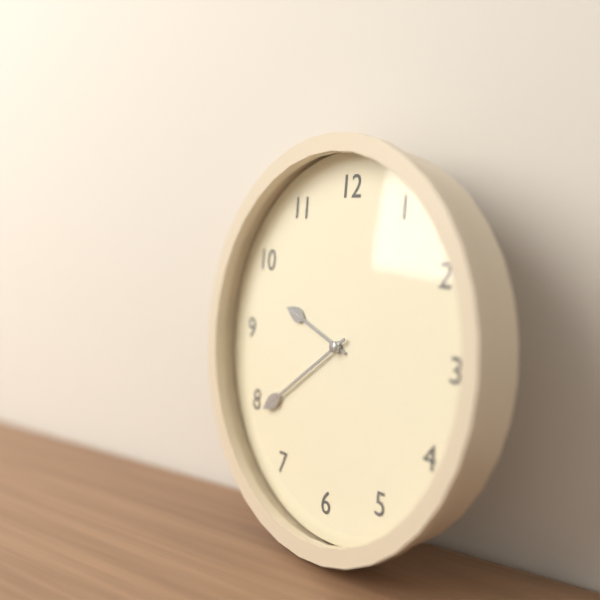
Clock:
9:39
